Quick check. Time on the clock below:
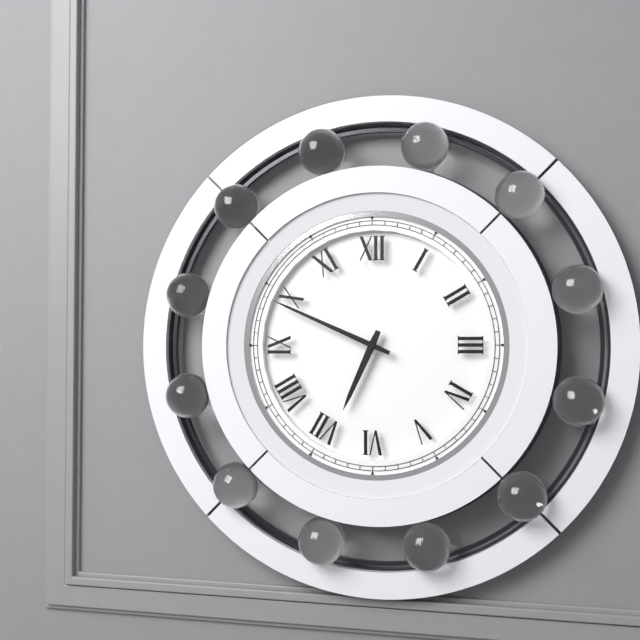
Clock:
6:49
